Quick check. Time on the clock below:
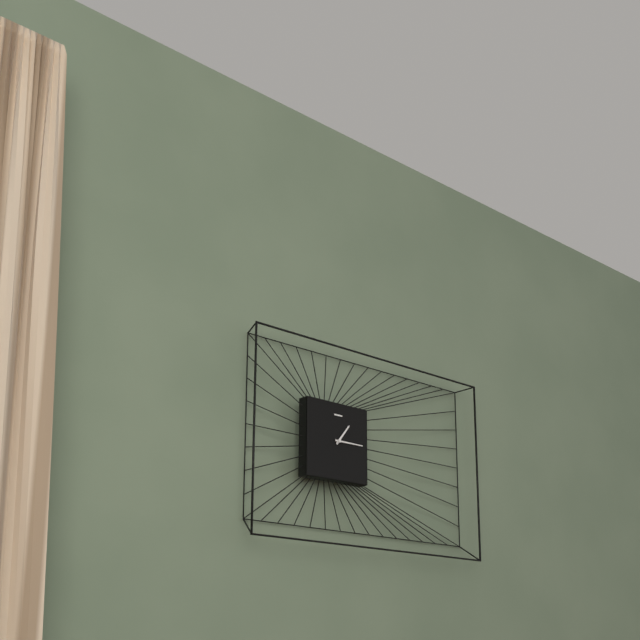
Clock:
1:15
